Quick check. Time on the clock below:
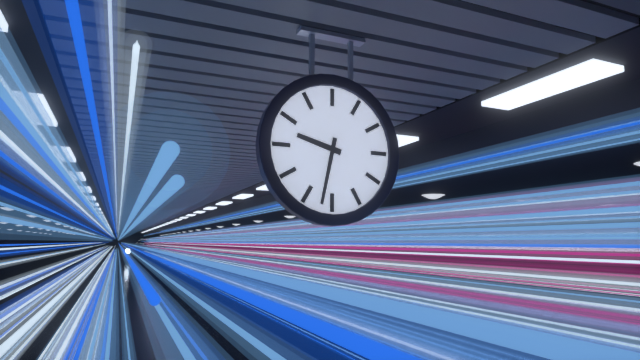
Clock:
9:32
